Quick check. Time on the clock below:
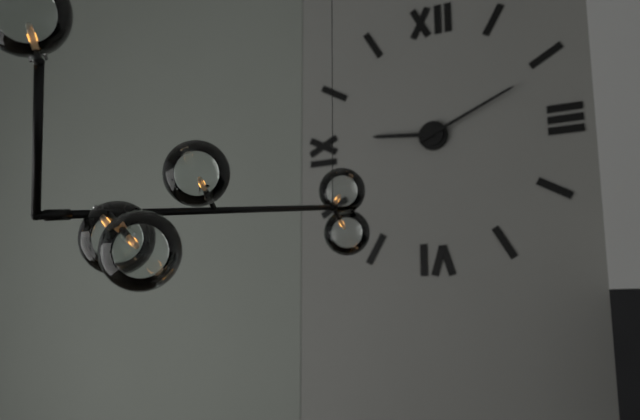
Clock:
9:11
